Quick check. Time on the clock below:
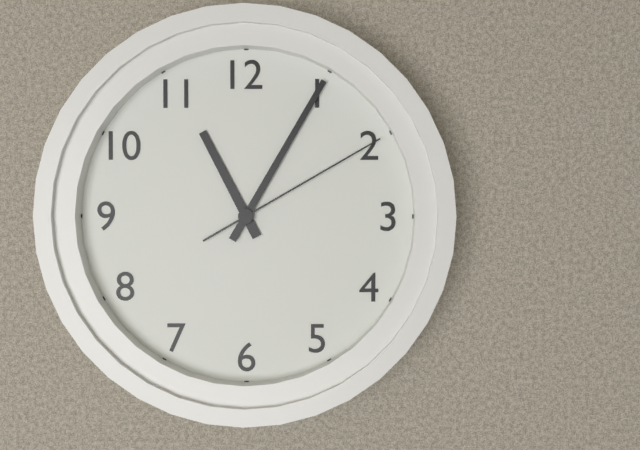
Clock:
11:05:10
